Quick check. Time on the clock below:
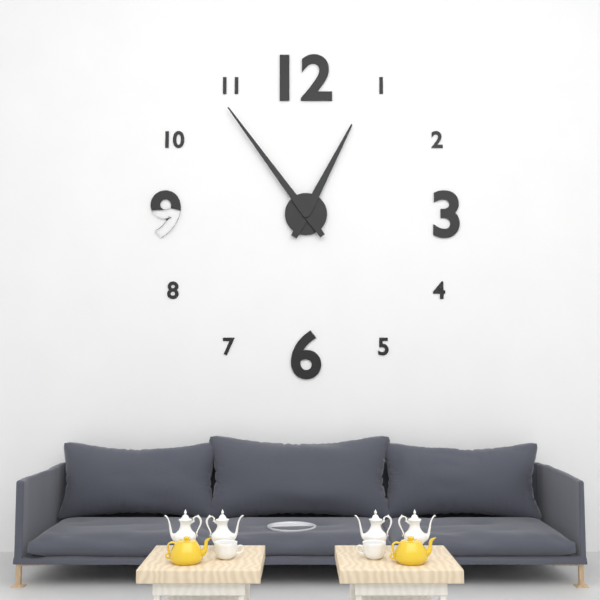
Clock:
12:54
